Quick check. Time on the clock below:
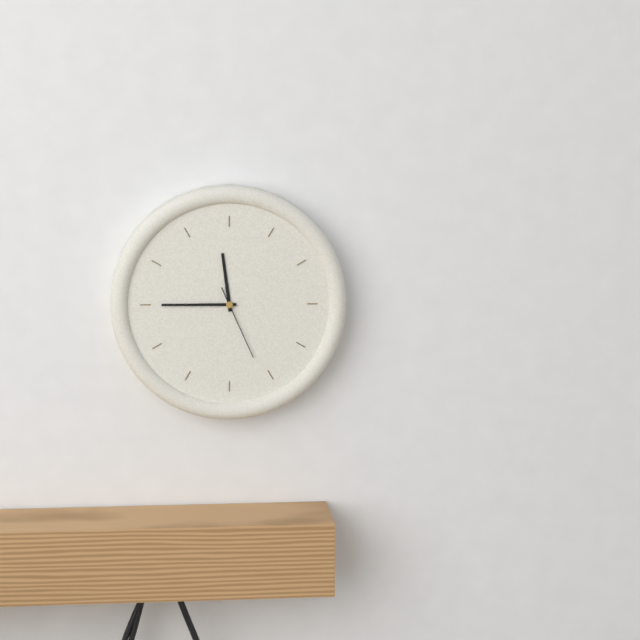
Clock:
11:45:26
